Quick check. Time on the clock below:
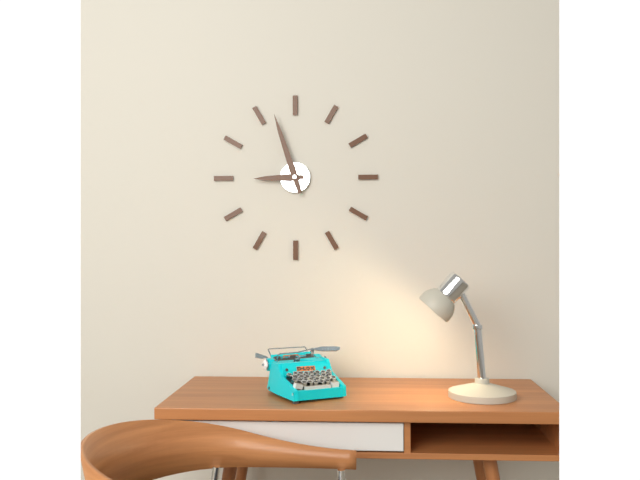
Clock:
8:57
